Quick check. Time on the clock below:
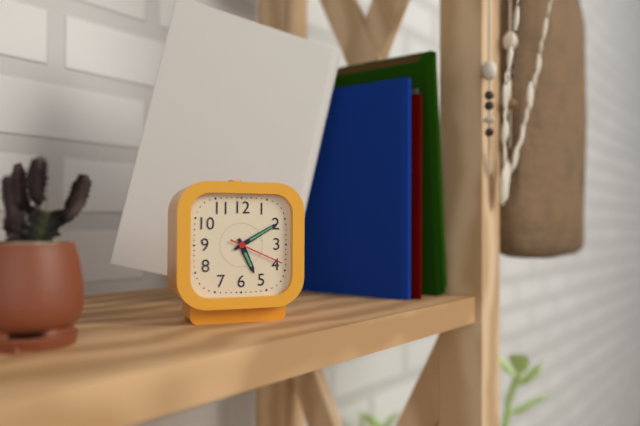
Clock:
5:10:19
